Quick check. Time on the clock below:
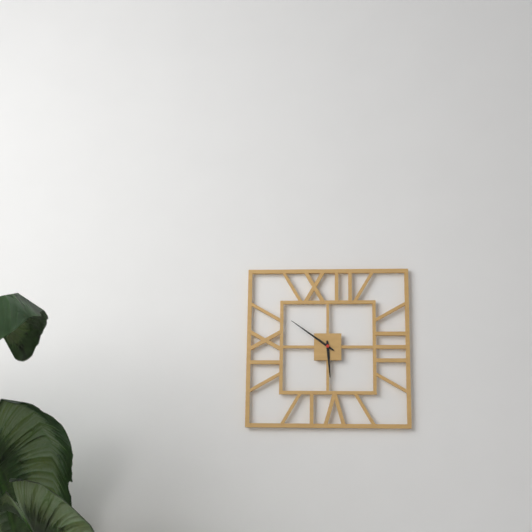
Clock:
5:51
